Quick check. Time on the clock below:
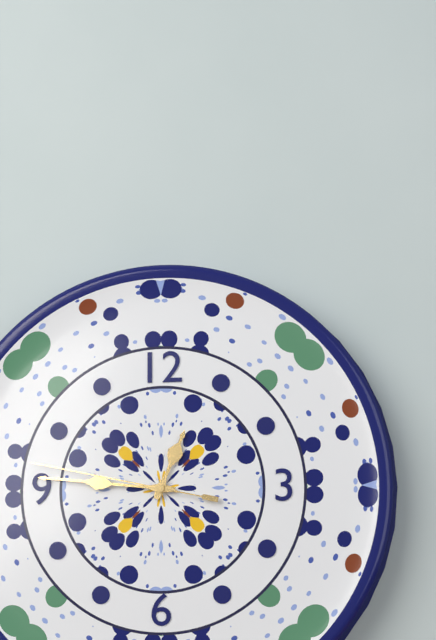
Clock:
12:46:47
